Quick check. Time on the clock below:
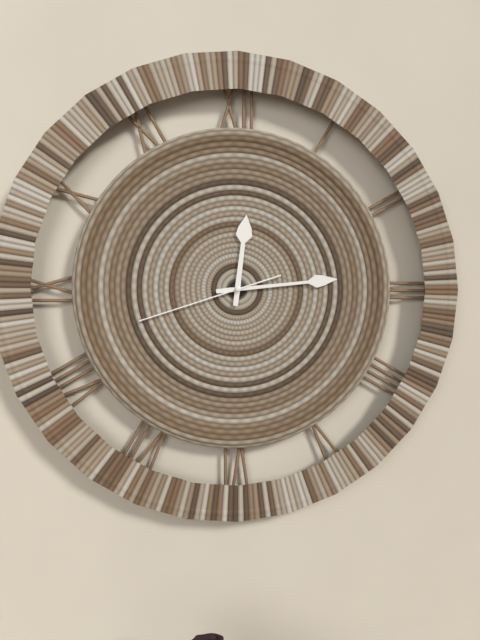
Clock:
12:14:42
